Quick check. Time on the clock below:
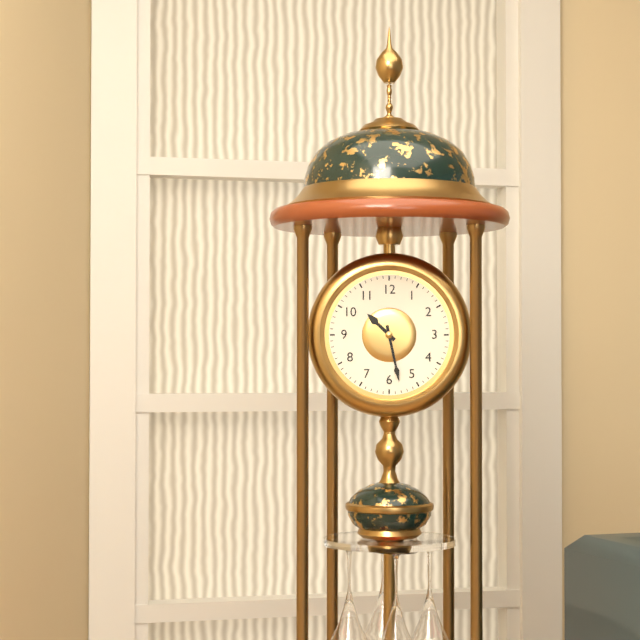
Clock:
10:28
